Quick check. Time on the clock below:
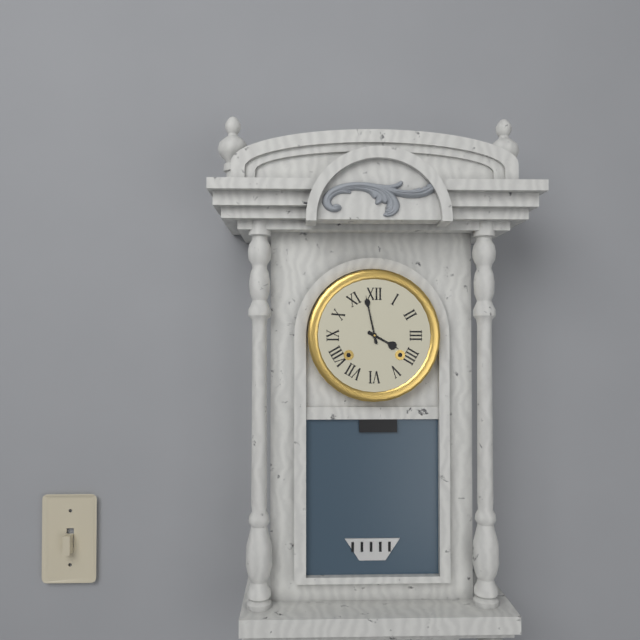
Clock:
3:58
